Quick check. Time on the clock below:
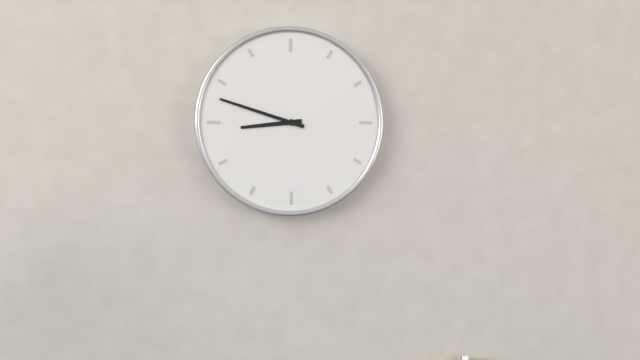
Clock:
8:48
